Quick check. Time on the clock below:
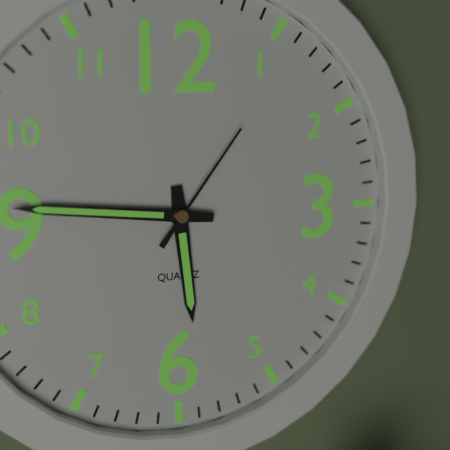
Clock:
5:46:06
